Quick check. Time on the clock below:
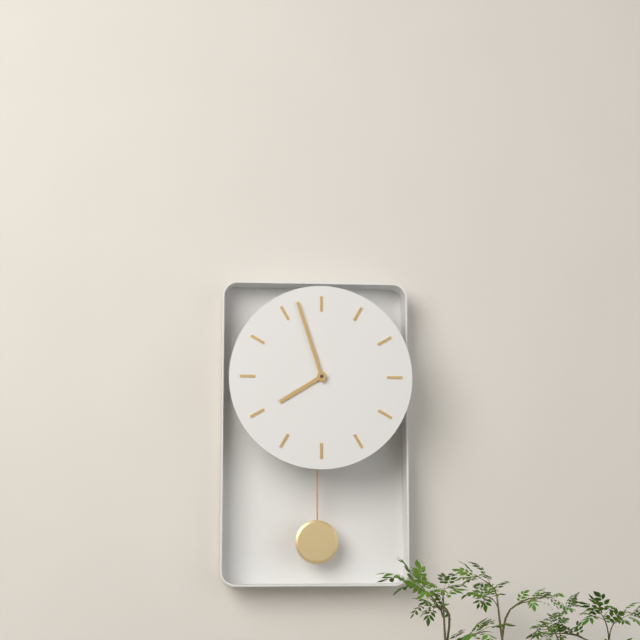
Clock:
7:57
